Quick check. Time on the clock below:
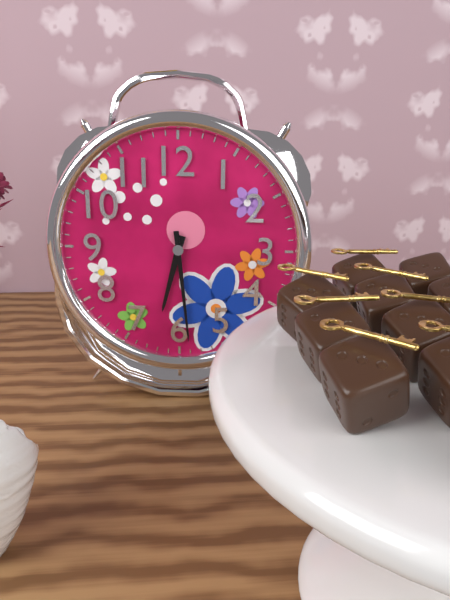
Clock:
6:29
